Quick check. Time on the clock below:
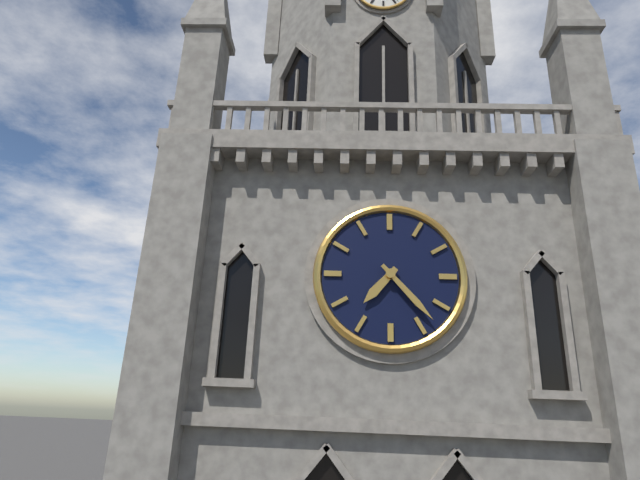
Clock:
7:23
